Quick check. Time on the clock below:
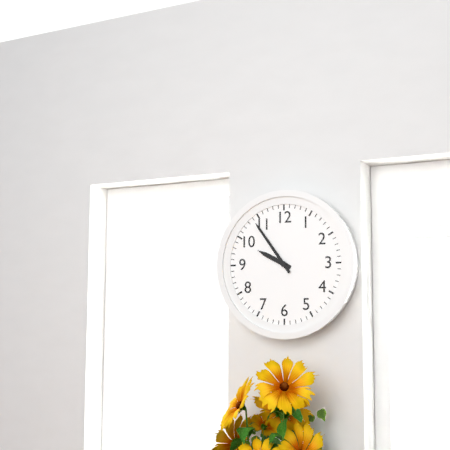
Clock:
9:54
